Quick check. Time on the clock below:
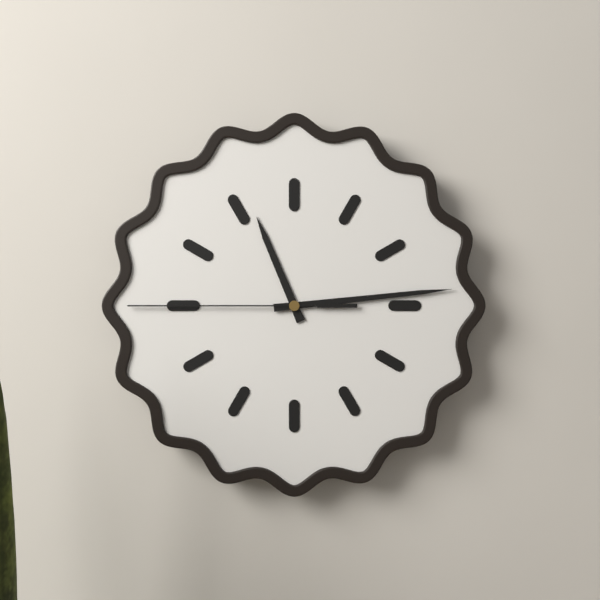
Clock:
11:14:45
